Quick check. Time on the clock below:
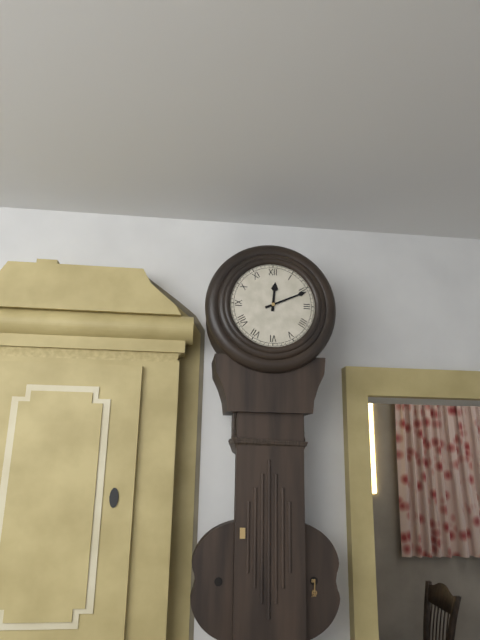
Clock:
12:11
